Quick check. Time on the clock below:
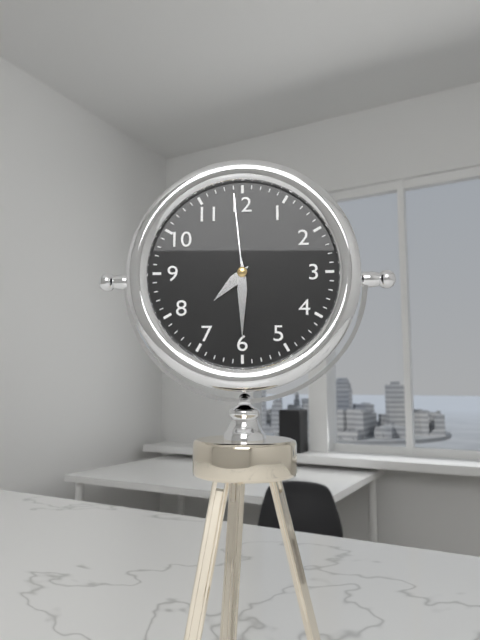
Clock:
7:30:59
